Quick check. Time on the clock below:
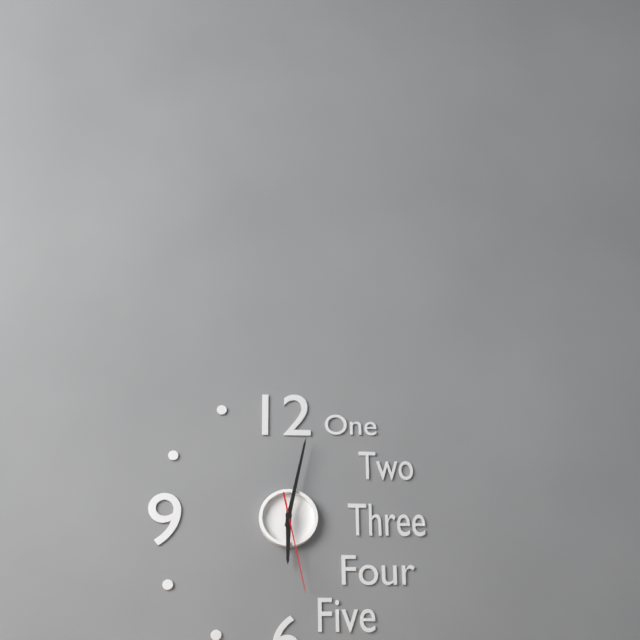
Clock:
6:02:28
